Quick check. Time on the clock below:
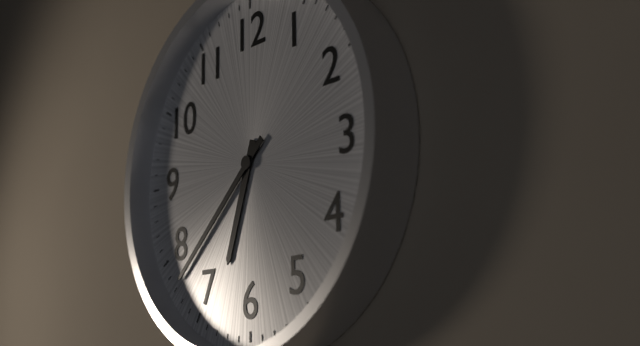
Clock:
6:38
